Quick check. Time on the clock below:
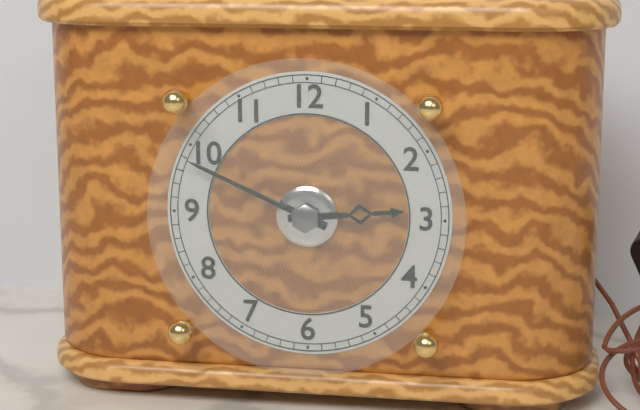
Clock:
2:49
